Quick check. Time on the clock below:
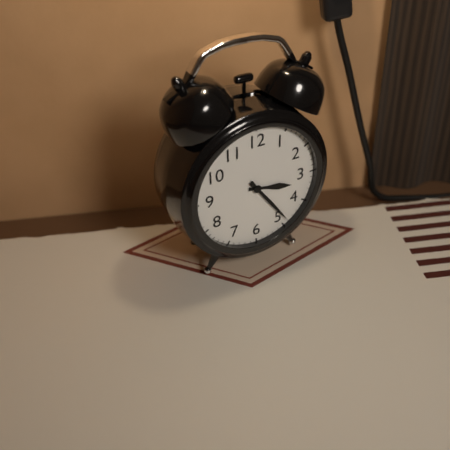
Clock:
3:24
